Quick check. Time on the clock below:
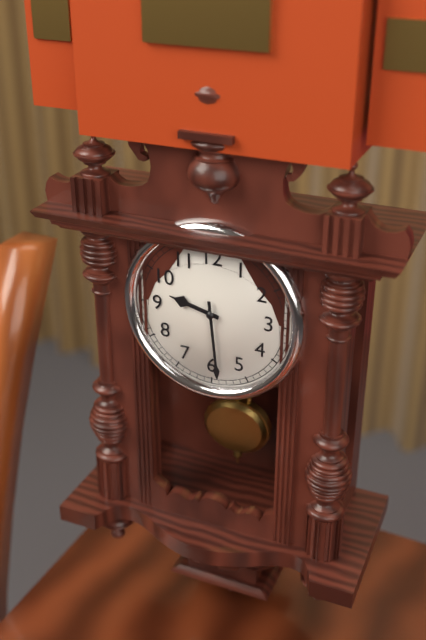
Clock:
9:29
